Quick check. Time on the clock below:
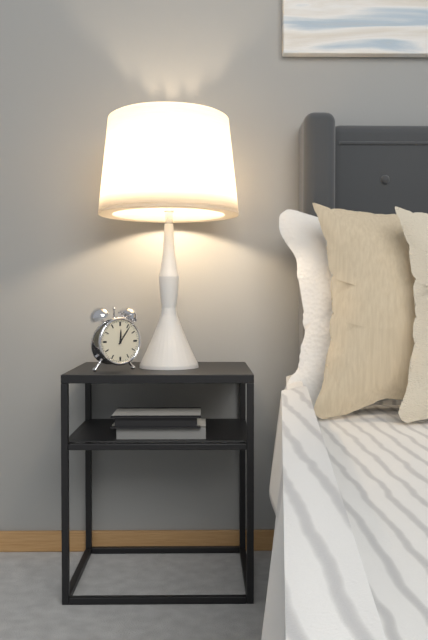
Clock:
12:06
